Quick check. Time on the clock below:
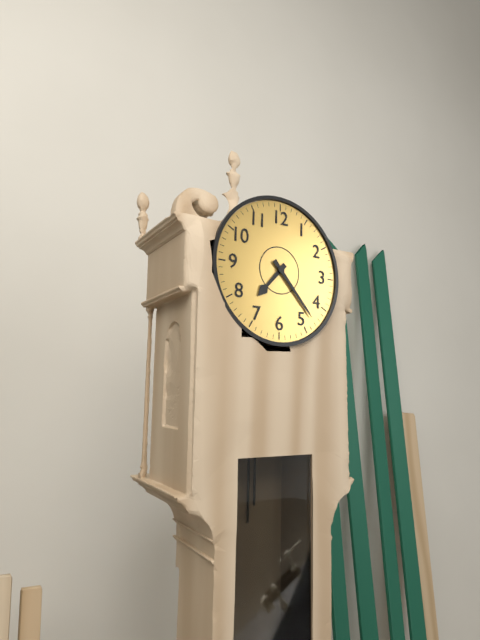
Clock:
7:23
